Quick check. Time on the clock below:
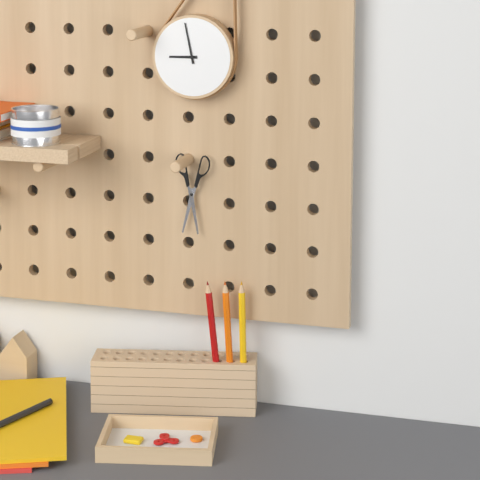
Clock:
8:58
